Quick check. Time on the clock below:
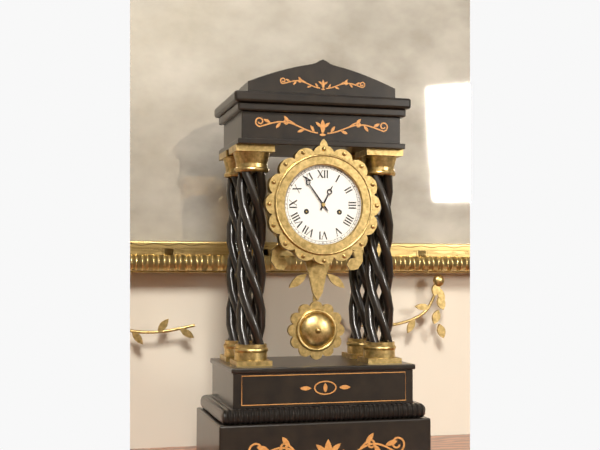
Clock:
12:54
